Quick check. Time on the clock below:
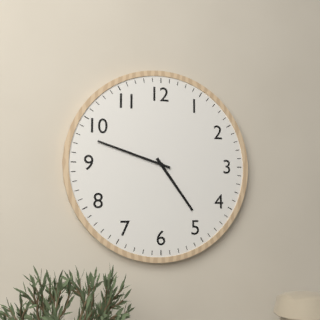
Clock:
4:48
